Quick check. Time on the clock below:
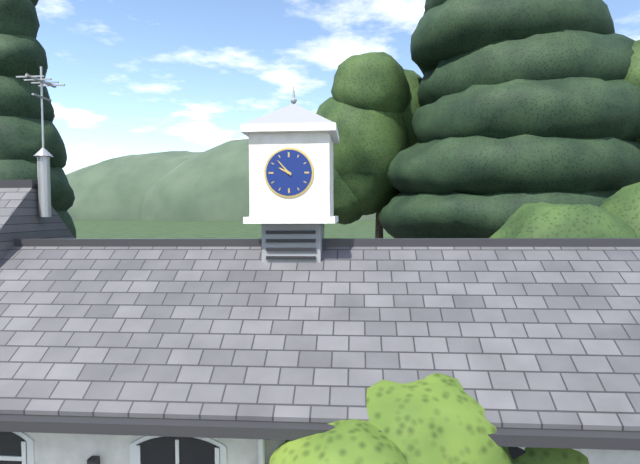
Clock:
9:53
